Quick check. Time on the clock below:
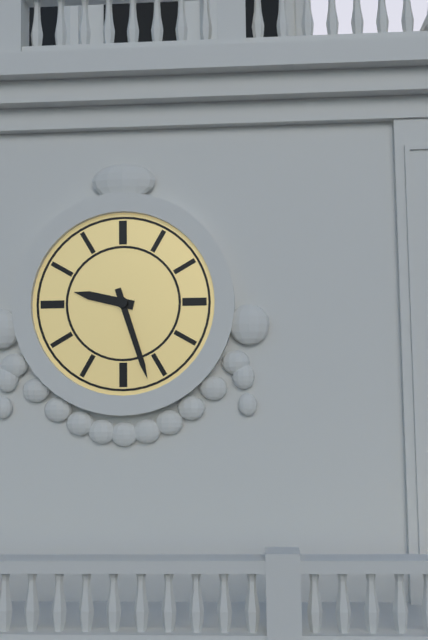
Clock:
9:27
